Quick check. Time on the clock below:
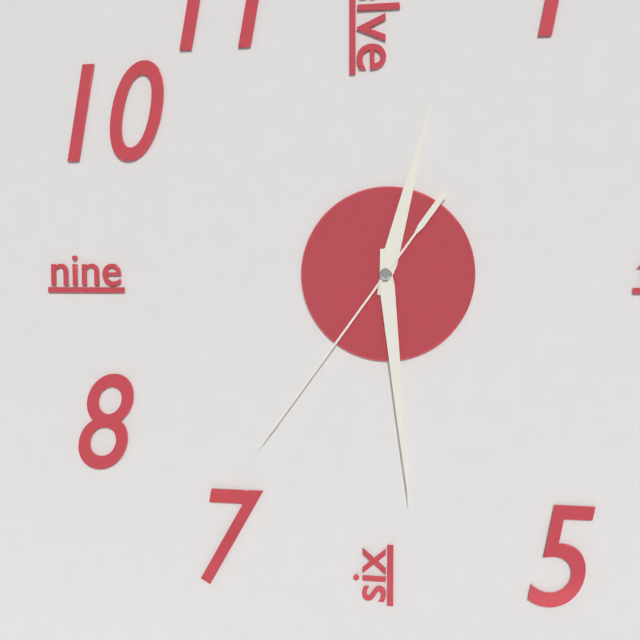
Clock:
12:29:36
